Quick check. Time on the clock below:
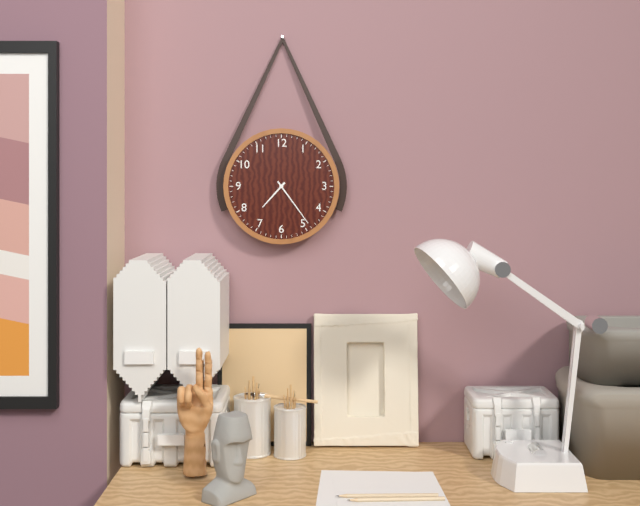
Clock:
7:24
